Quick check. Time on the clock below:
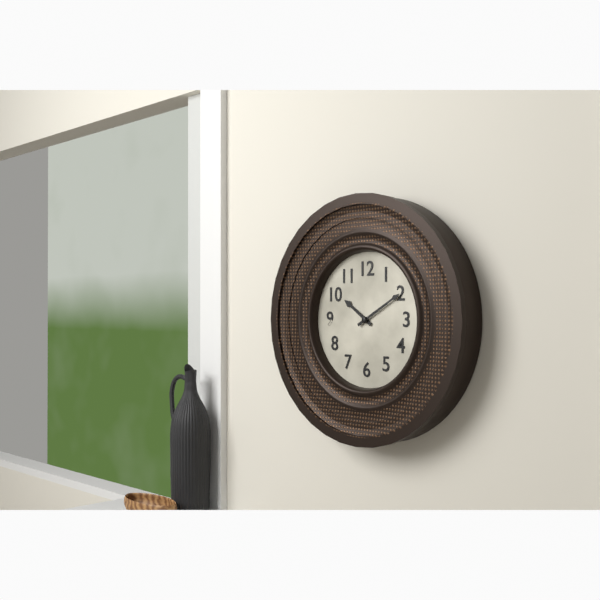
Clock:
10:10
